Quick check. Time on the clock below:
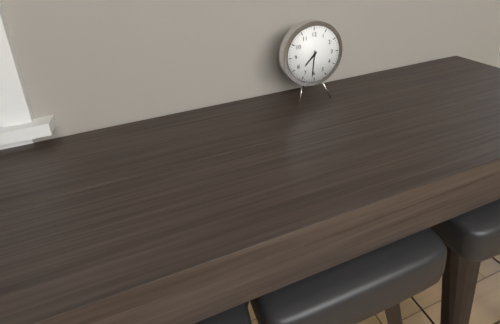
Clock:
7:31
